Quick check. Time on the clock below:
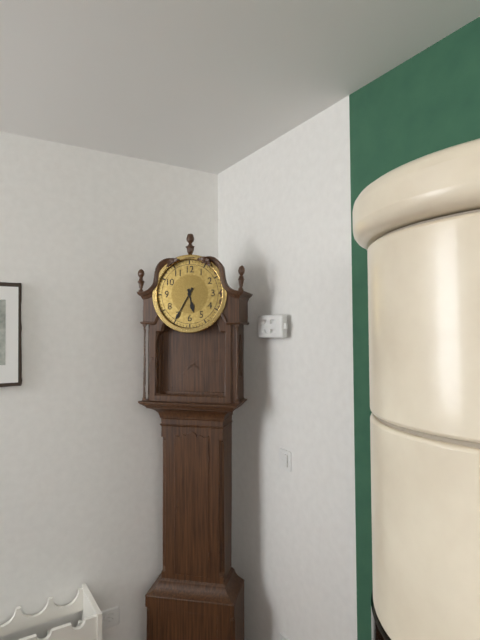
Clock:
5:35
